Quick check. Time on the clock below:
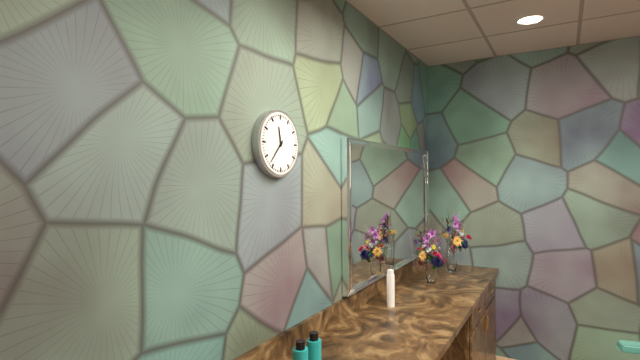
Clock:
11:37
